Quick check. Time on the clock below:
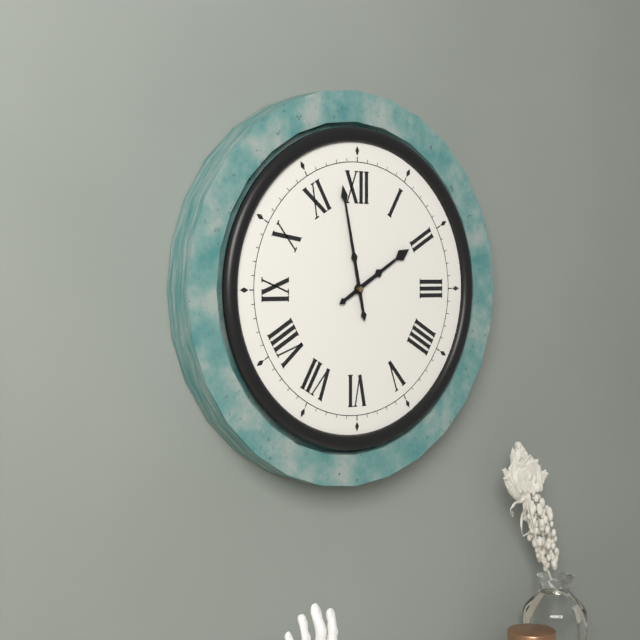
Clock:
1:58
